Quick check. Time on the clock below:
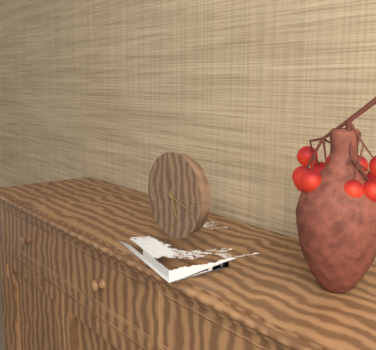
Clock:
5:18
